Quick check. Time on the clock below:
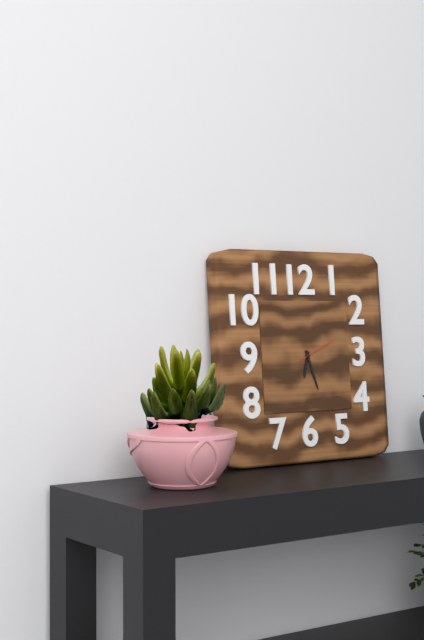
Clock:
6:27
